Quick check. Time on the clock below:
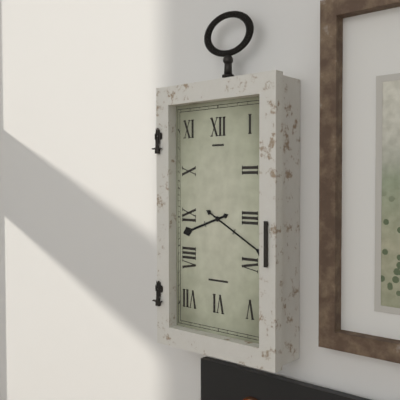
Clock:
8:20
